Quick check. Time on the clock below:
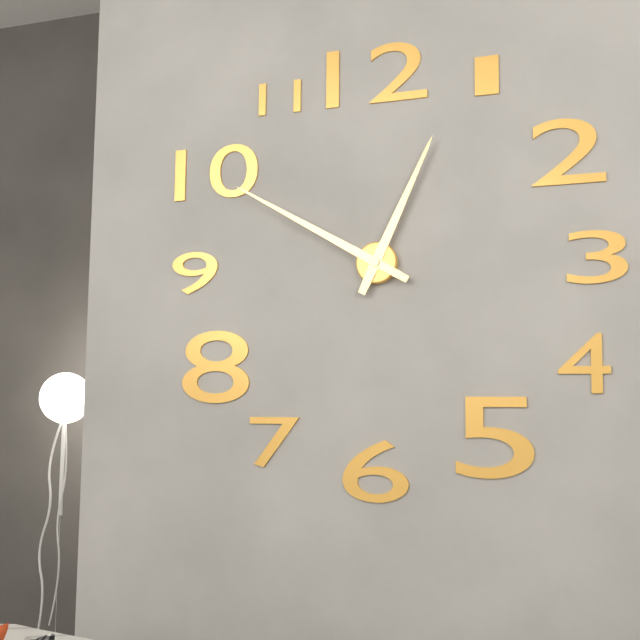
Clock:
12:50
